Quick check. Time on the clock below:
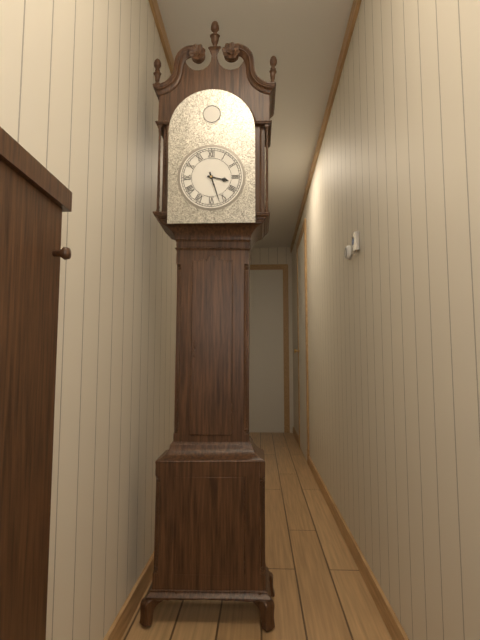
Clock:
3:27
